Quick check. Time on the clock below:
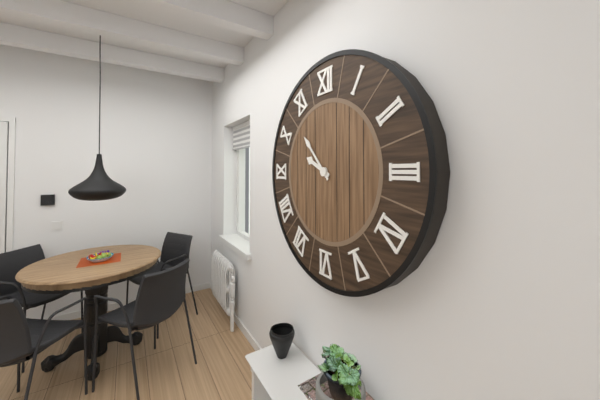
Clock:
9:53
